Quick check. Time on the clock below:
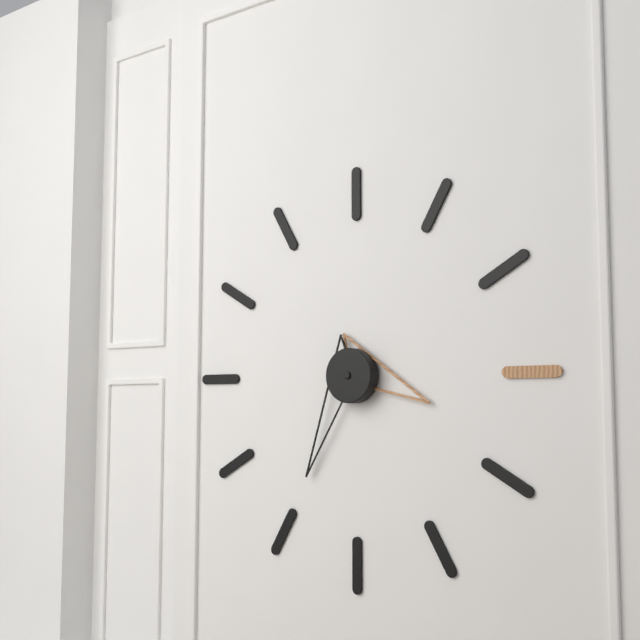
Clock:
3:35
